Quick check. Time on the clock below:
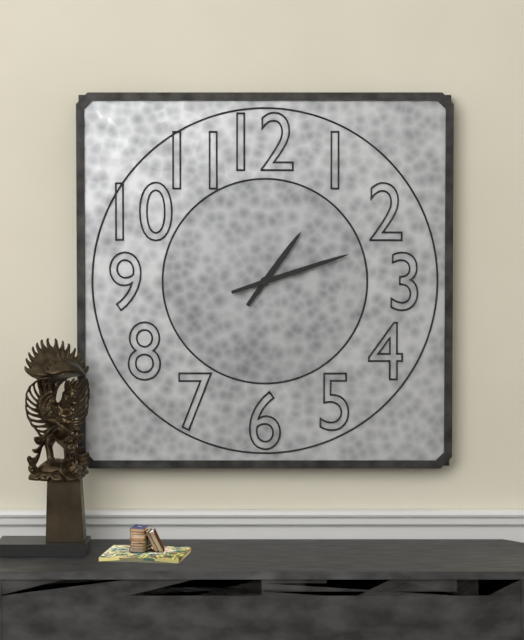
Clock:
1:12
